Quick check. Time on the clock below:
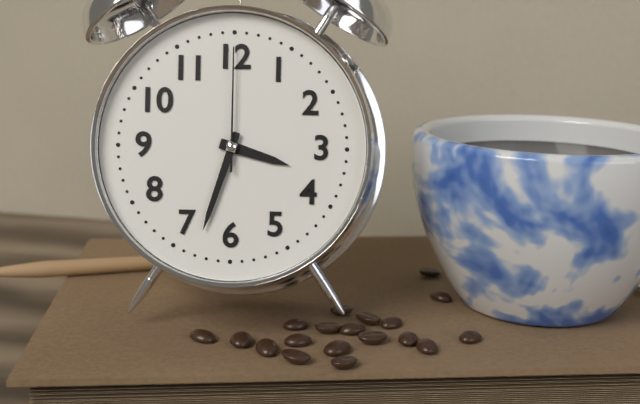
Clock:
3:33:00
